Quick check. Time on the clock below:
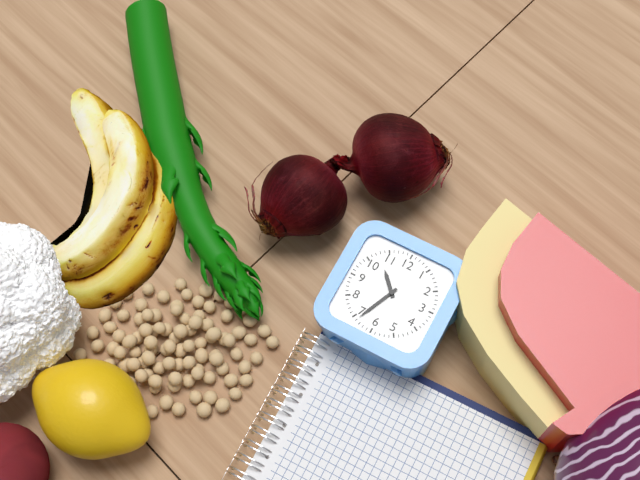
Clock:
10:34
